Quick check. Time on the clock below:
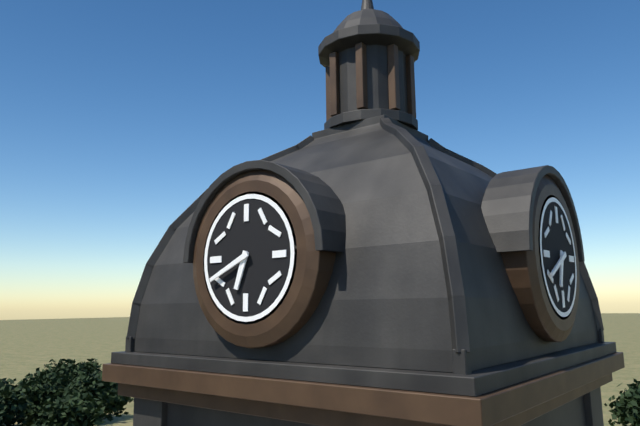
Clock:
6:41
